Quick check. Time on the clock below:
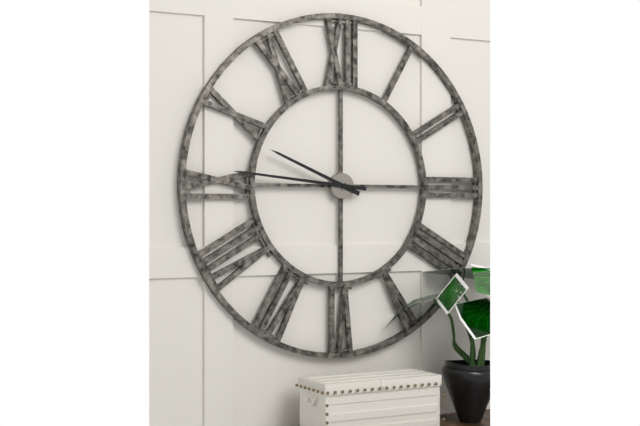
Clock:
9:46
